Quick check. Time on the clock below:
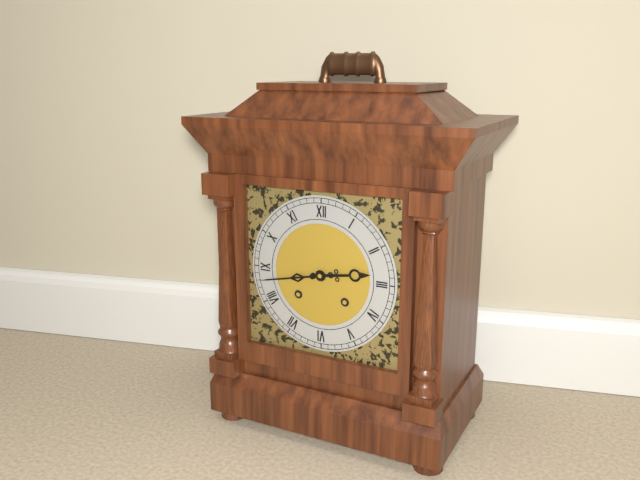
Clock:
2:43
